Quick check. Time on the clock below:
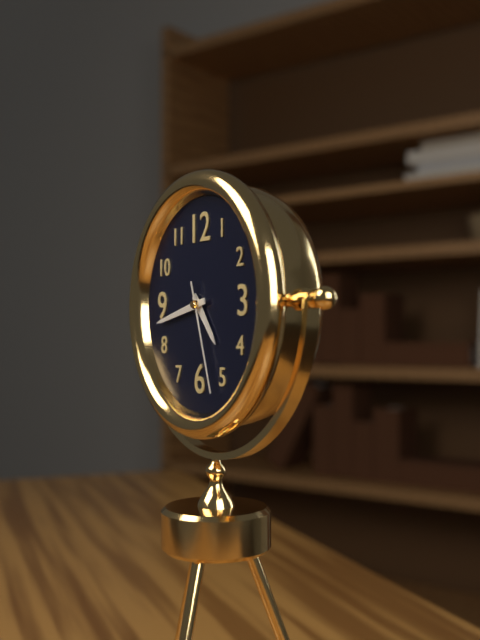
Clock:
4:43:27
